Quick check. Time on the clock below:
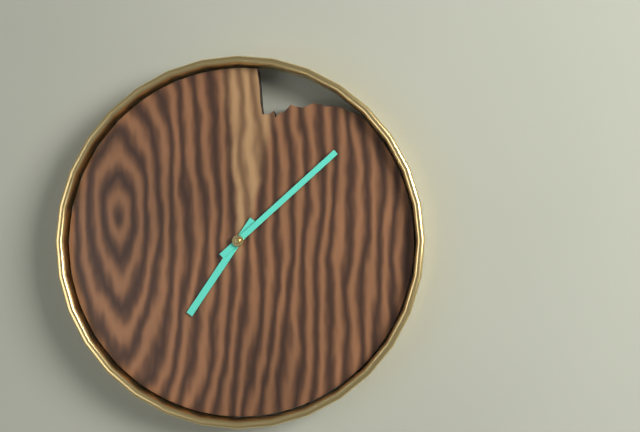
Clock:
7:08
